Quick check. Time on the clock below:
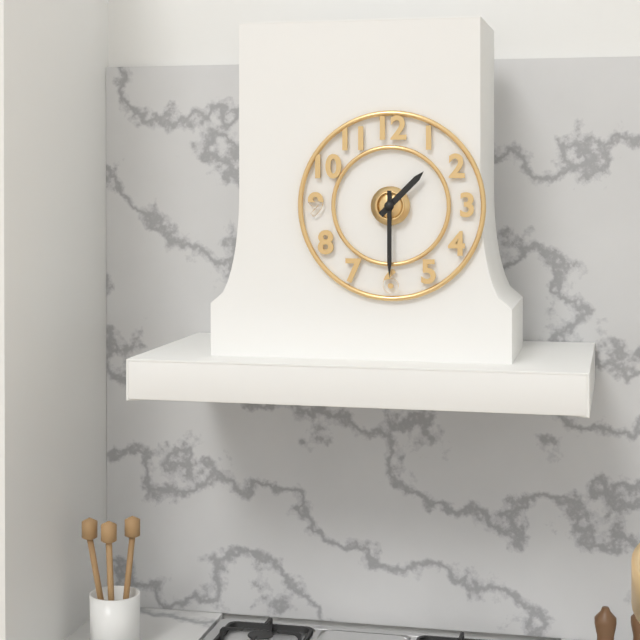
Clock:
1:30
